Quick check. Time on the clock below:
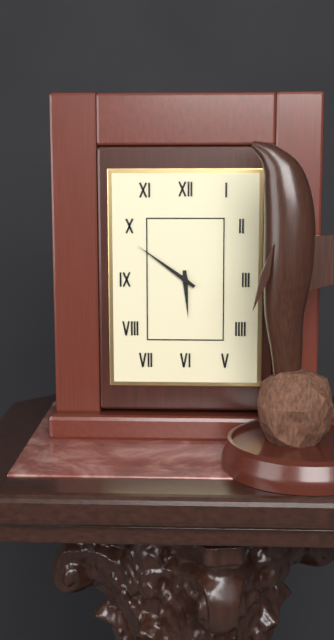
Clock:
5:51
